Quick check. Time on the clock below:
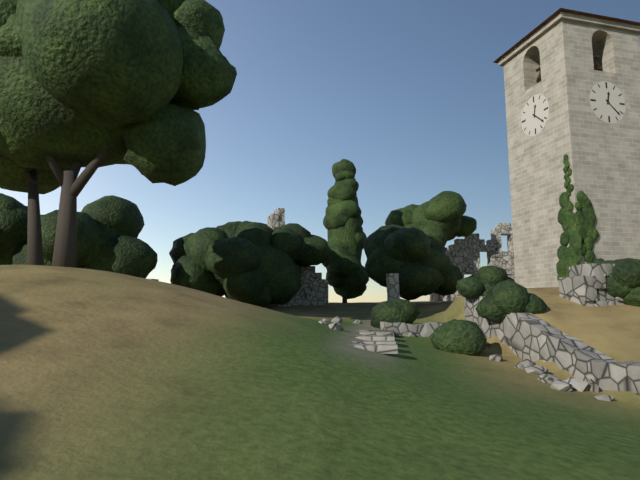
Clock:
12:22
